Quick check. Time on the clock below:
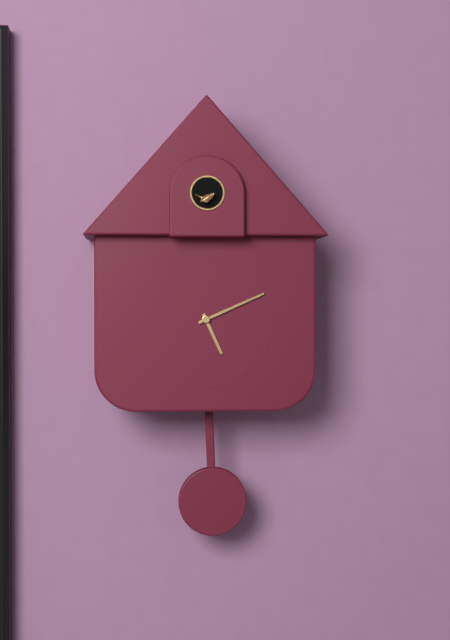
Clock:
5:11
